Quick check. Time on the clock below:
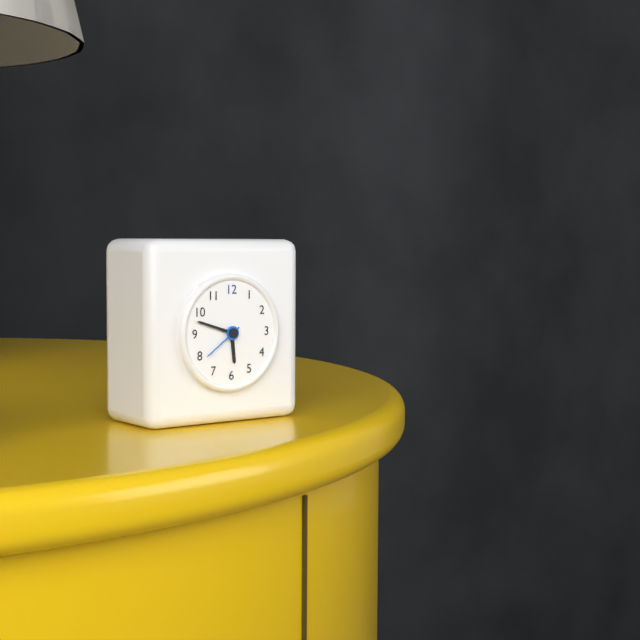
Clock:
5:48
